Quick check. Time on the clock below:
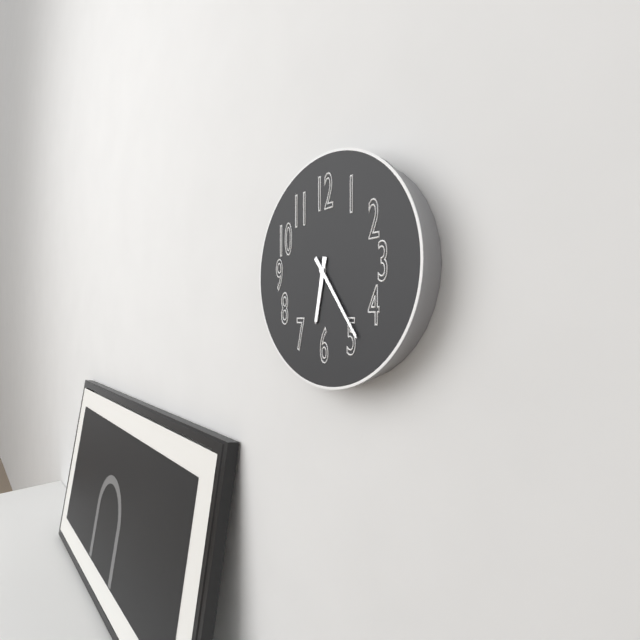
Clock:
6:24
